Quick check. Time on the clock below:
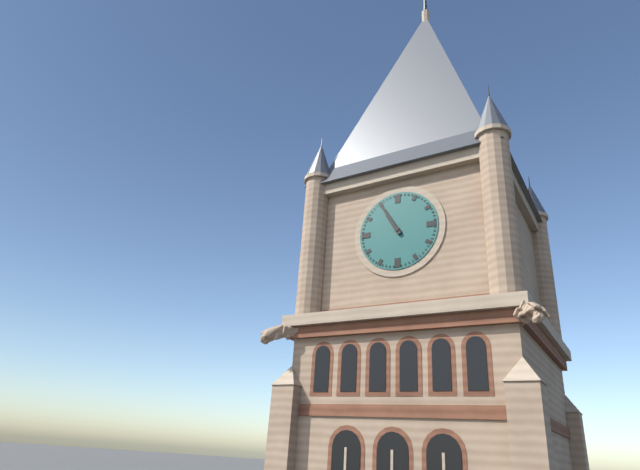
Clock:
10:55
